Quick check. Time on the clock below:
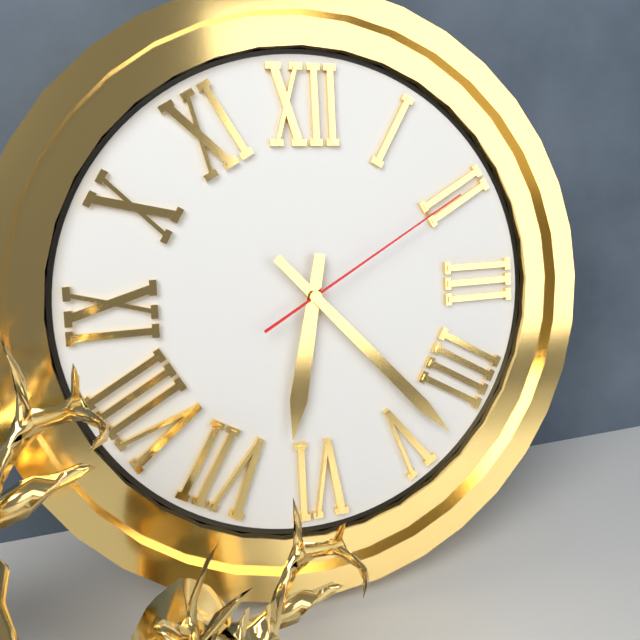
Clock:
6:23:10
